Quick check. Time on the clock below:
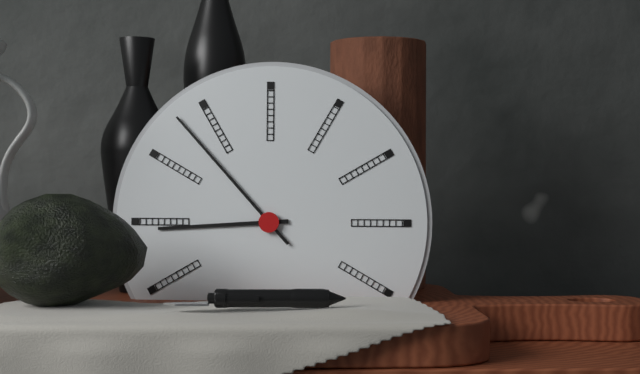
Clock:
8:53
